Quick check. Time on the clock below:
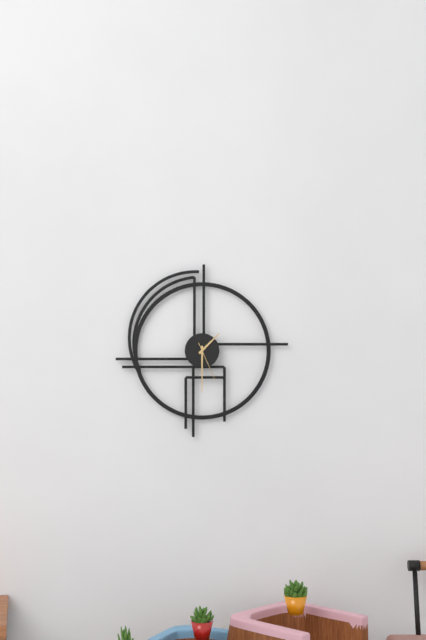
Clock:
1:30
